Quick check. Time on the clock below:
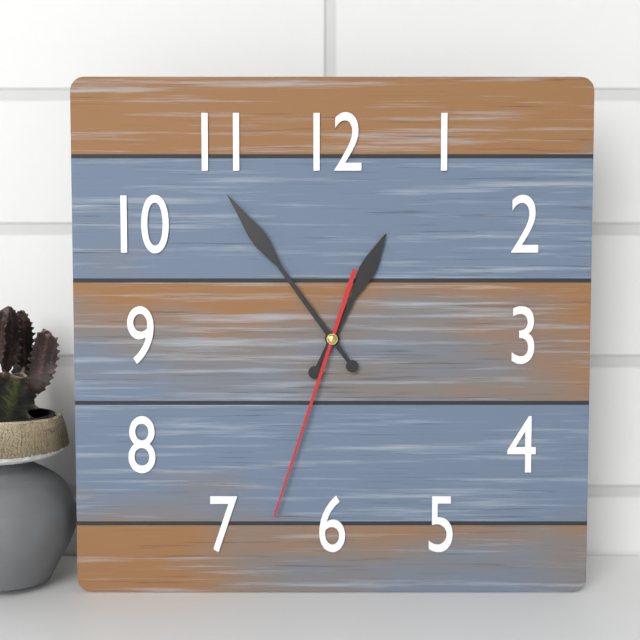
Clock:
12:54:33
